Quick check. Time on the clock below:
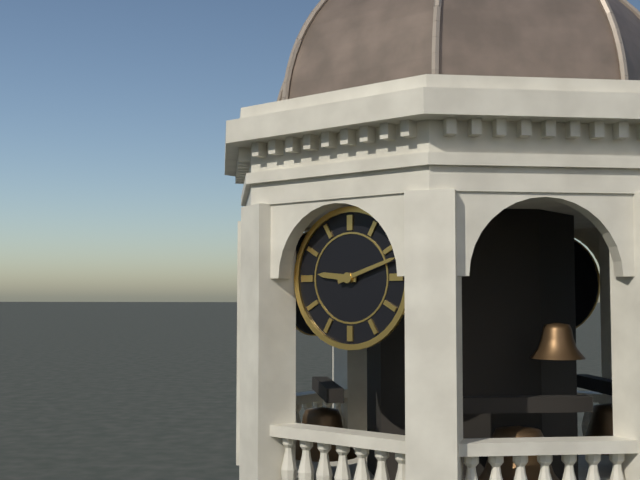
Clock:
9:12
